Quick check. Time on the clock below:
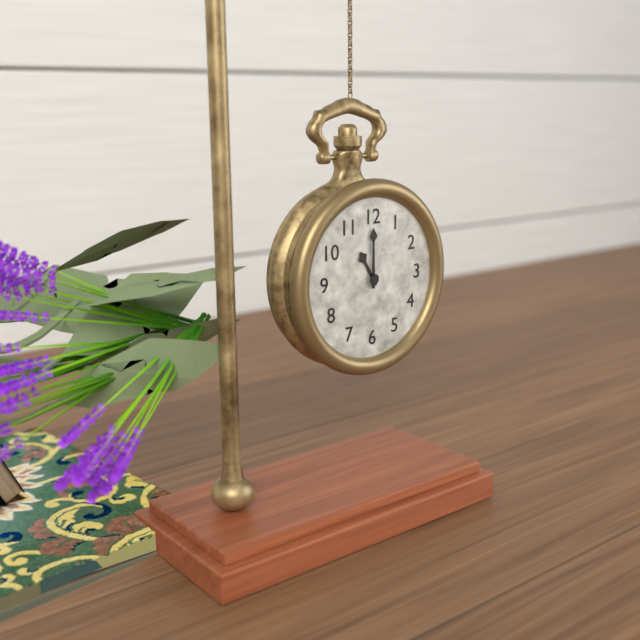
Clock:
11:00
